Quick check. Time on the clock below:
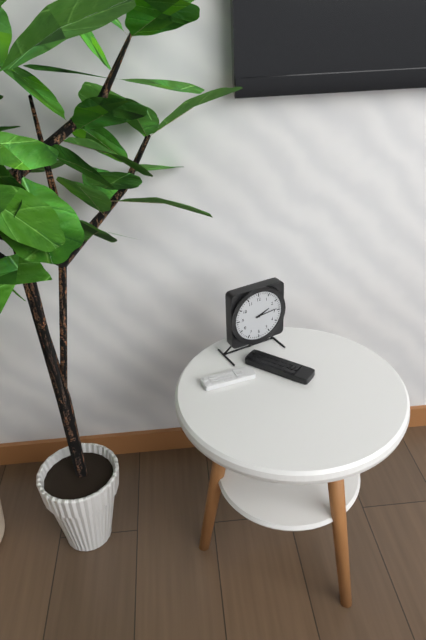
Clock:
2:14
